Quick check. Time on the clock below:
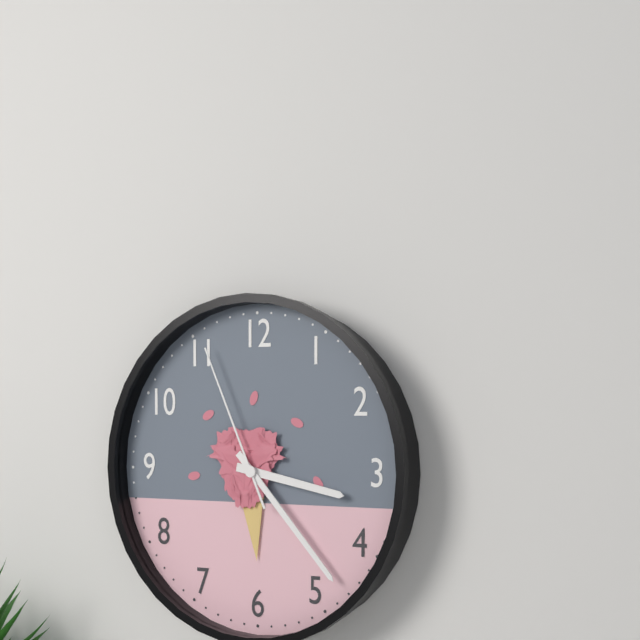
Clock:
3:23:56
